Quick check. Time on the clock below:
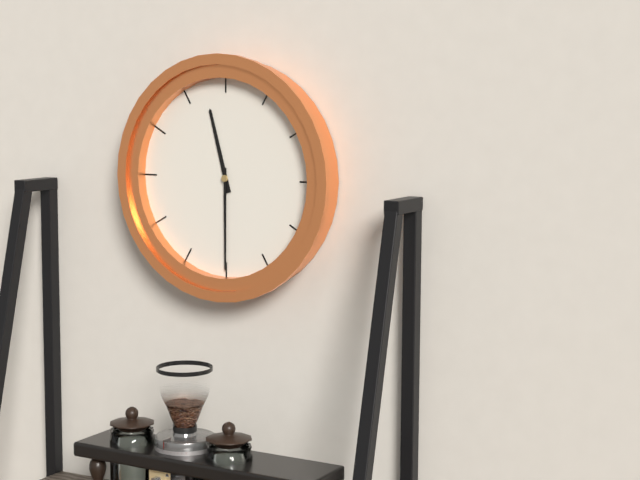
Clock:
11:30
